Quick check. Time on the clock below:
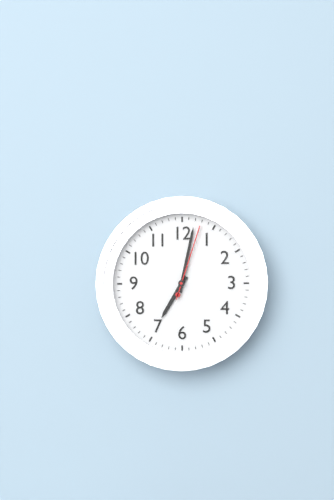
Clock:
7:02:03
